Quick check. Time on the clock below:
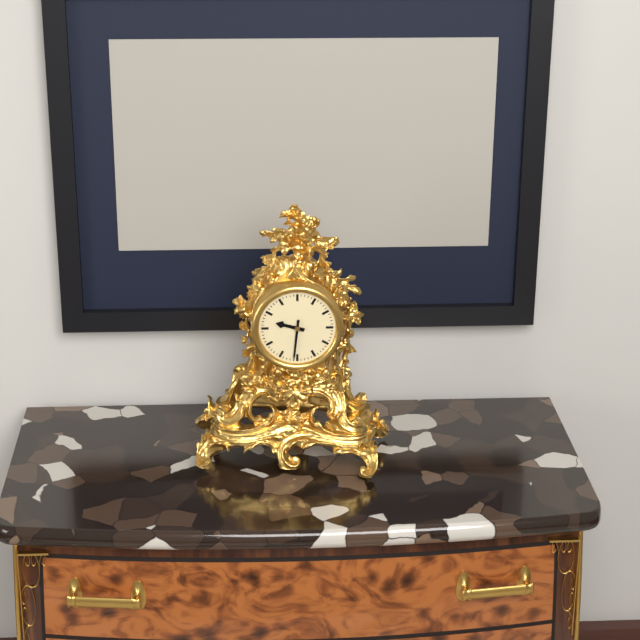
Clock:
9:31
